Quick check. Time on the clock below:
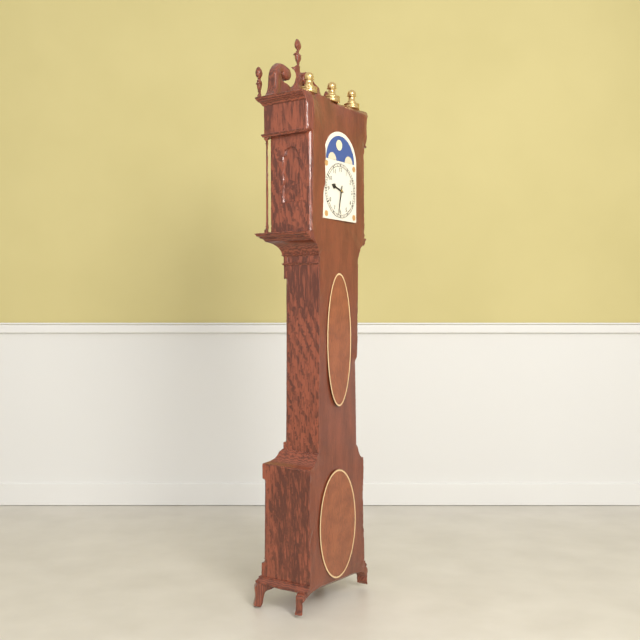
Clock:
9:32
